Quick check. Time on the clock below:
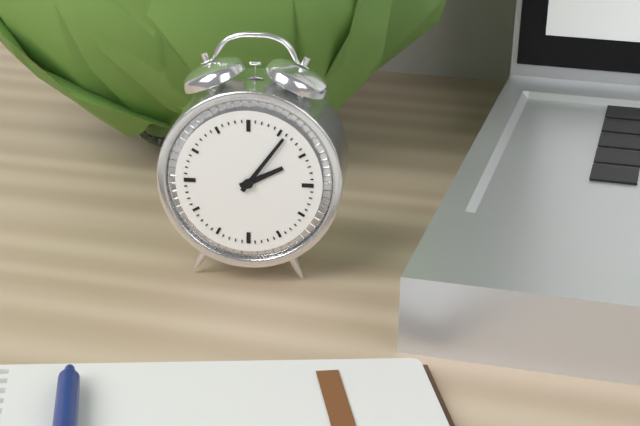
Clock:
2:06
